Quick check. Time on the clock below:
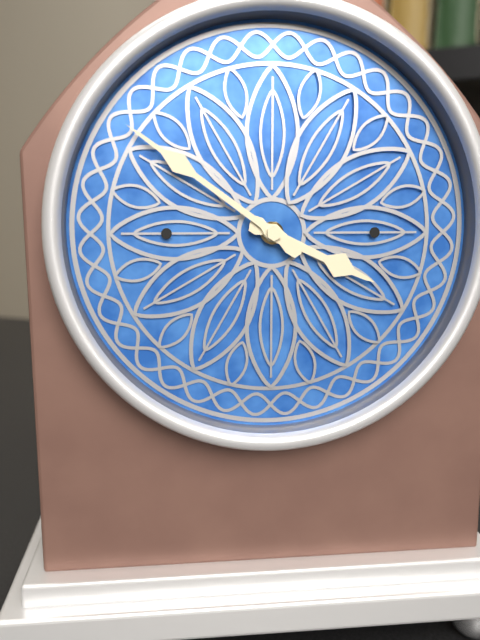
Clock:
3:51
